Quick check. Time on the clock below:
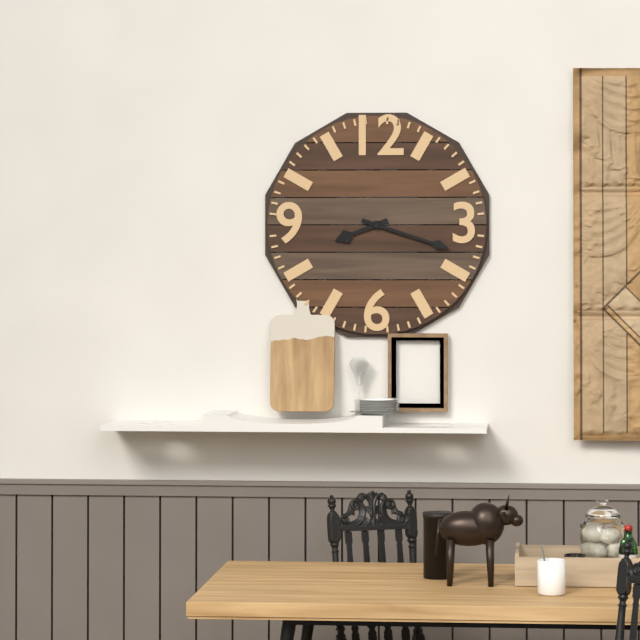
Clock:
8:18
